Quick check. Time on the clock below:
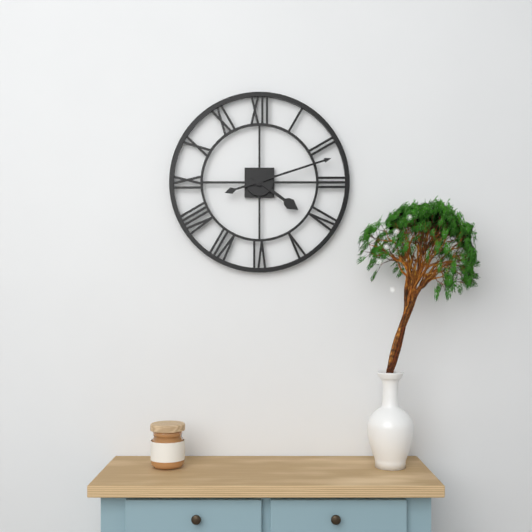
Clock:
4:12
